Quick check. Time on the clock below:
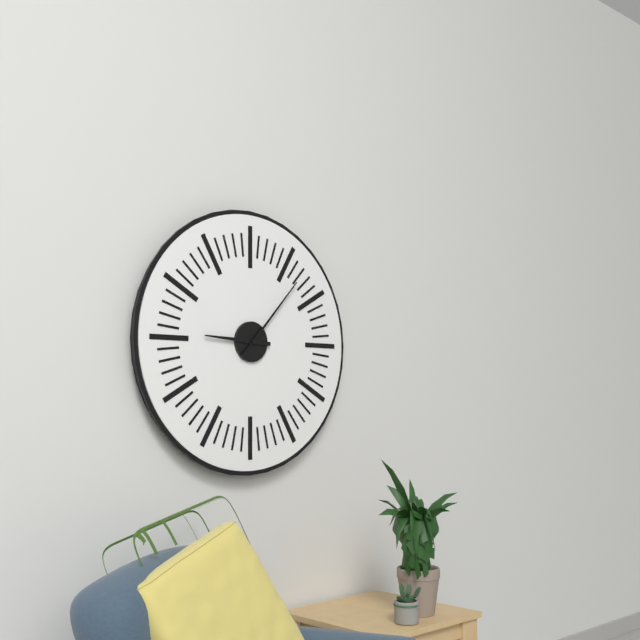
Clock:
9:07
